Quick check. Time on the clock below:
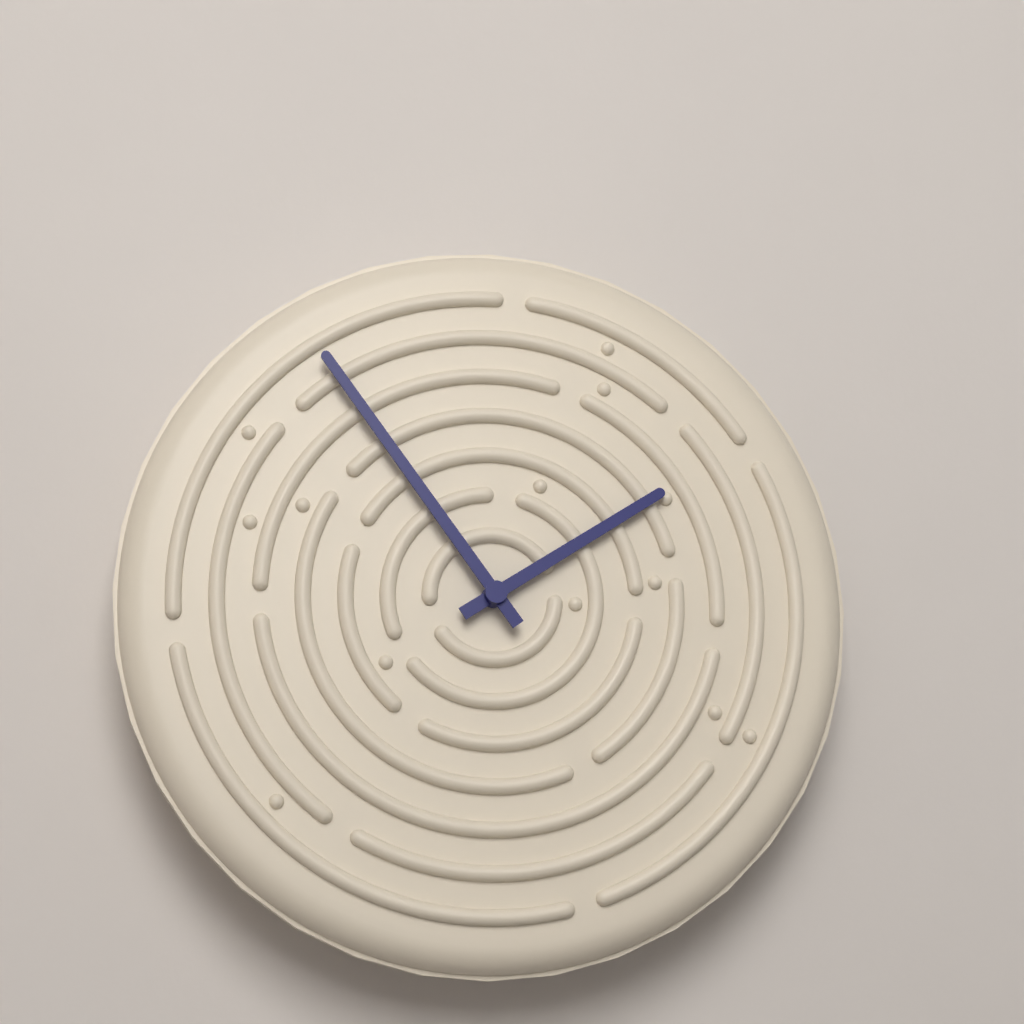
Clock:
1:54
